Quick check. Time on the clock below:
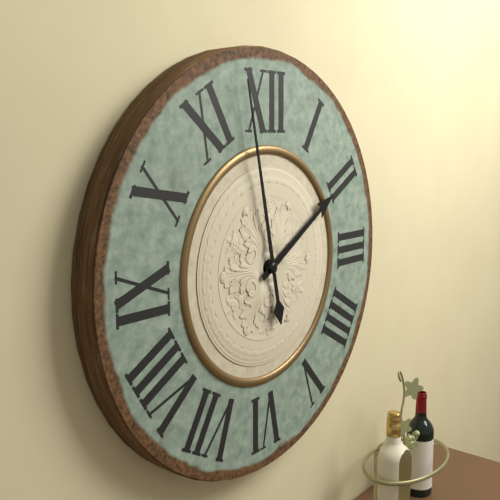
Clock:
1:58
